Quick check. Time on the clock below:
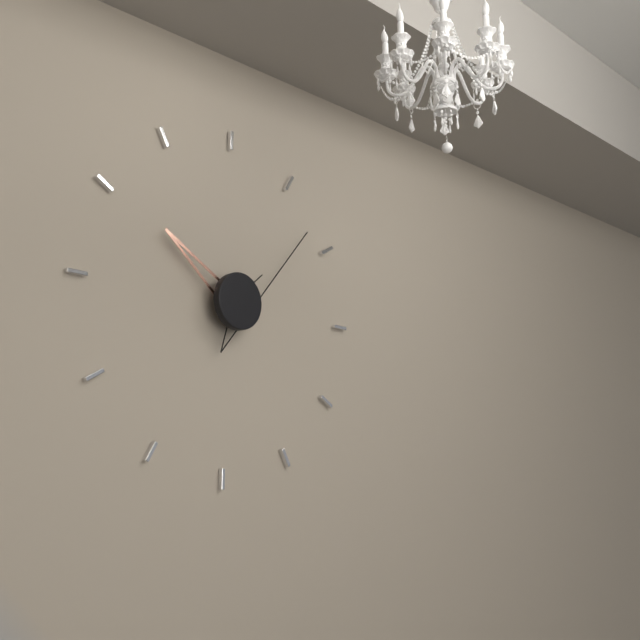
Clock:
10:08
